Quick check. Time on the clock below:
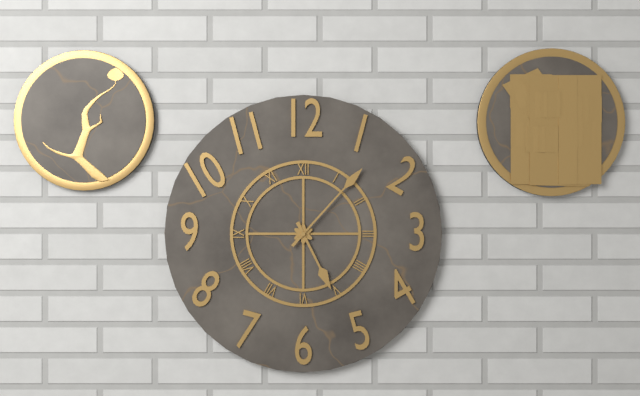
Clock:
5:07
